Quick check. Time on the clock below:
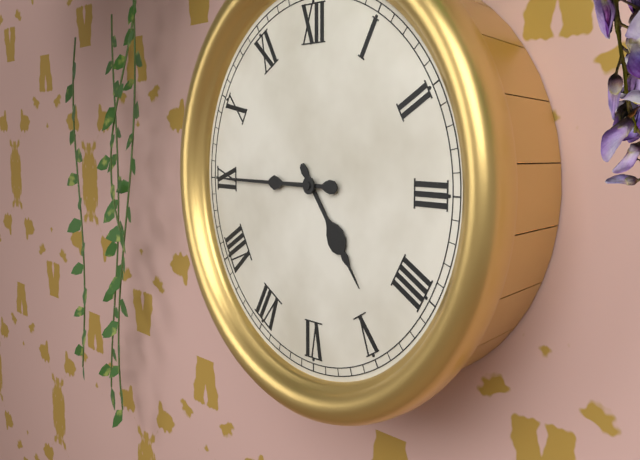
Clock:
4:45
